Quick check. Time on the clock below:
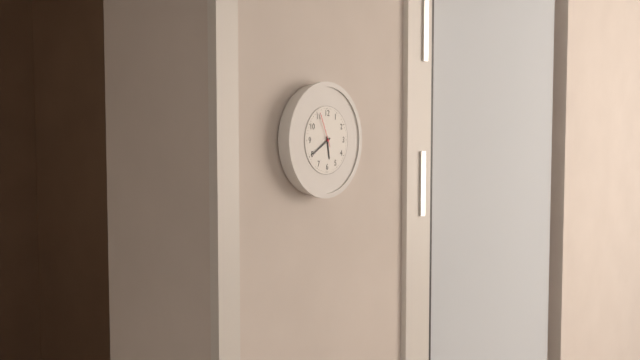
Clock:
5:40
